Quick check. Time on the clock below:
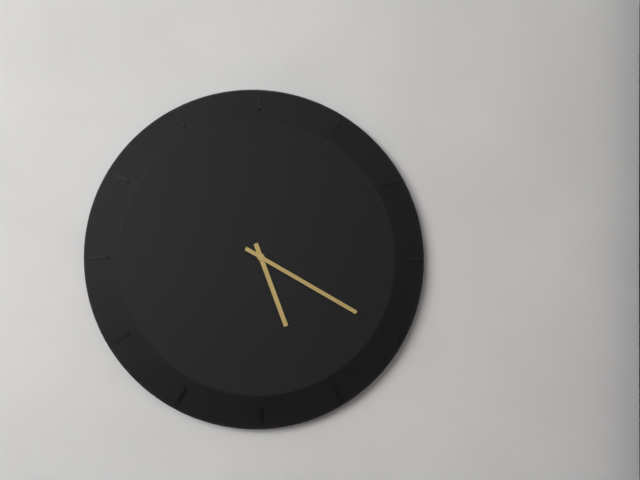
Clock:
5:20
